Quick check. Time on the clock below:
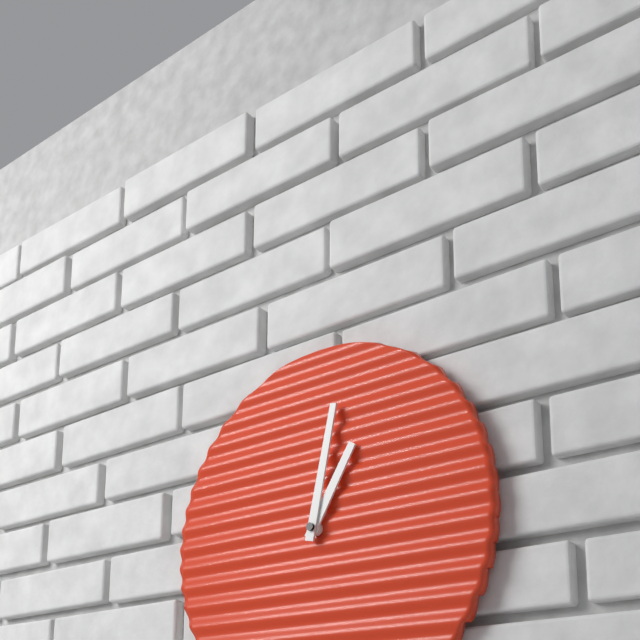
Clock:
1:02
